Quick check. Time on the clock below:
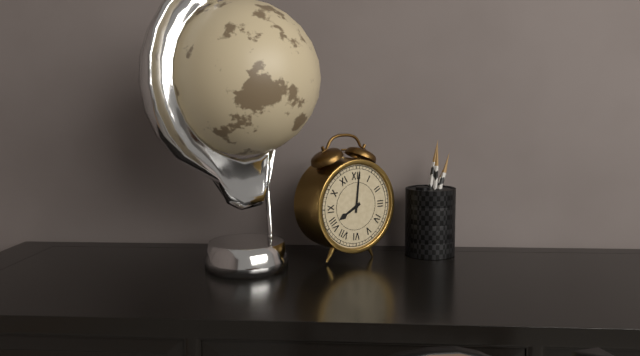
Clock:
8:01
